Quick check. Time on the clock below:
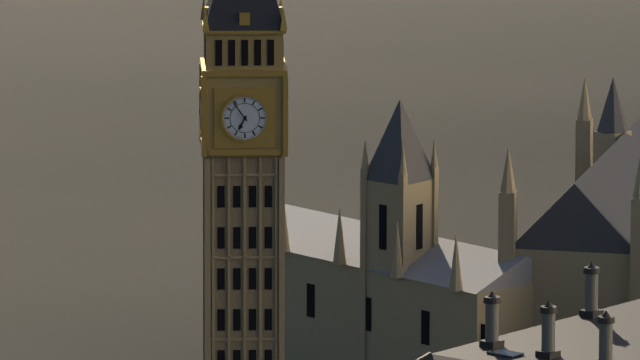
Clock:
6:54
